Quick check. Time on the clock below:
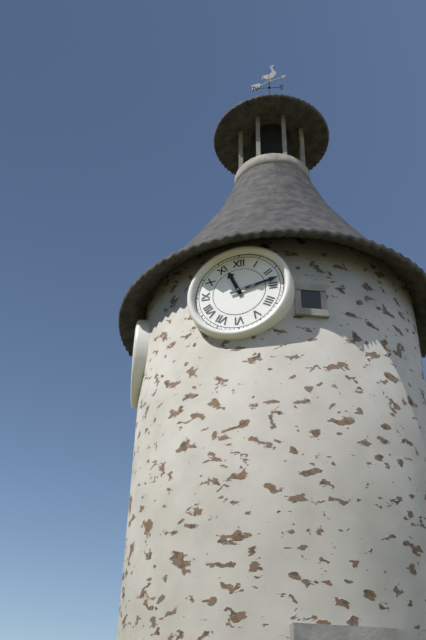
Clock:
11:13
